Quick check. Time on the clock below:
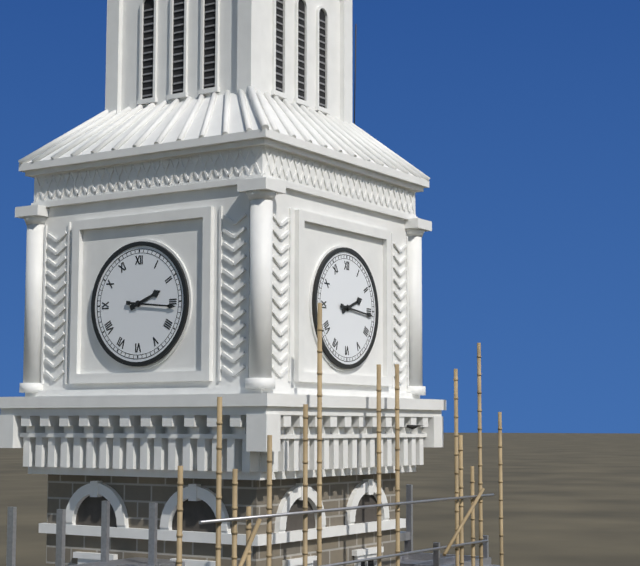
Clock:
2:16
